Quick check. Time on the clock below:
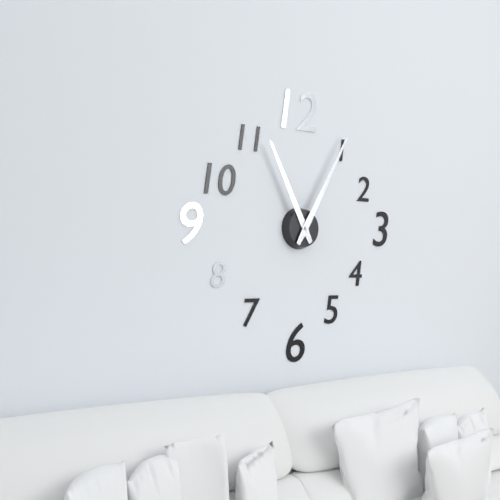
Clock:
11:05
